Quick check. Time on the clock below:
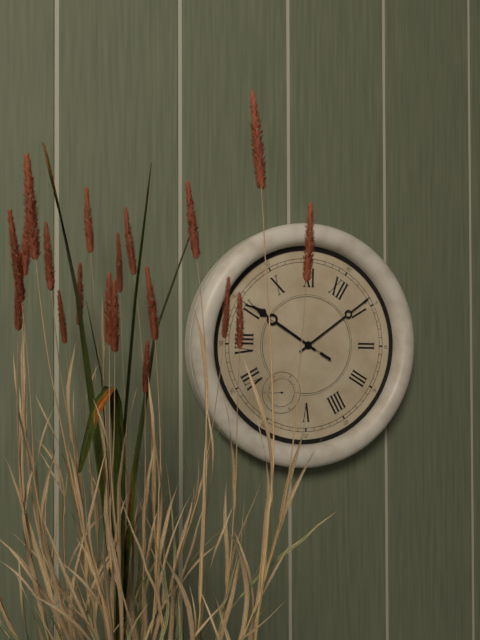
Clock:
9:04:45
